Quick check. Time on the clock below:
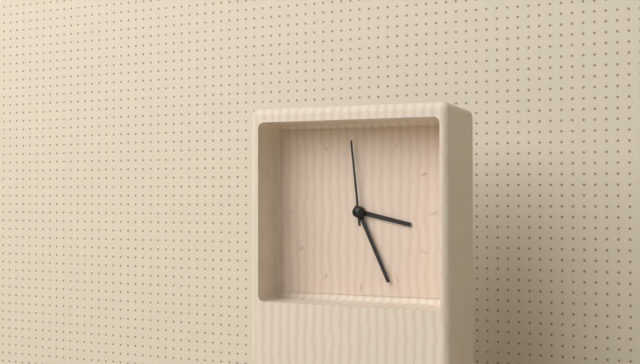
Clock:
3:26:59
